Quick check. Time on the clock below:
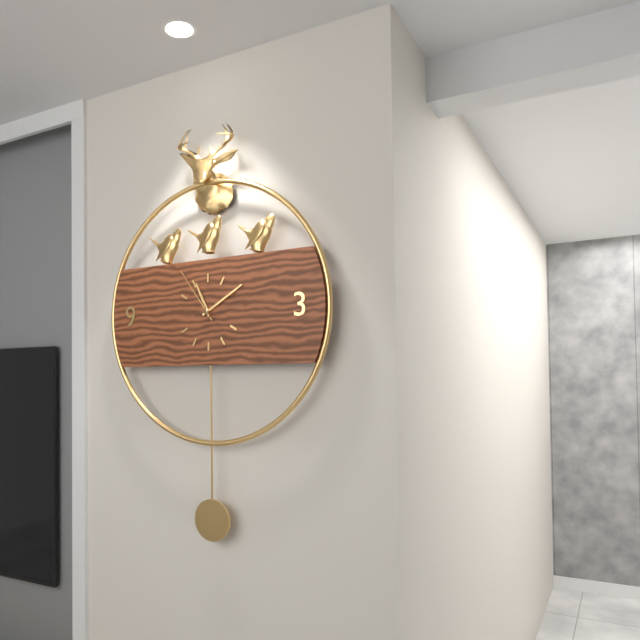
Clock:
11:10:54
